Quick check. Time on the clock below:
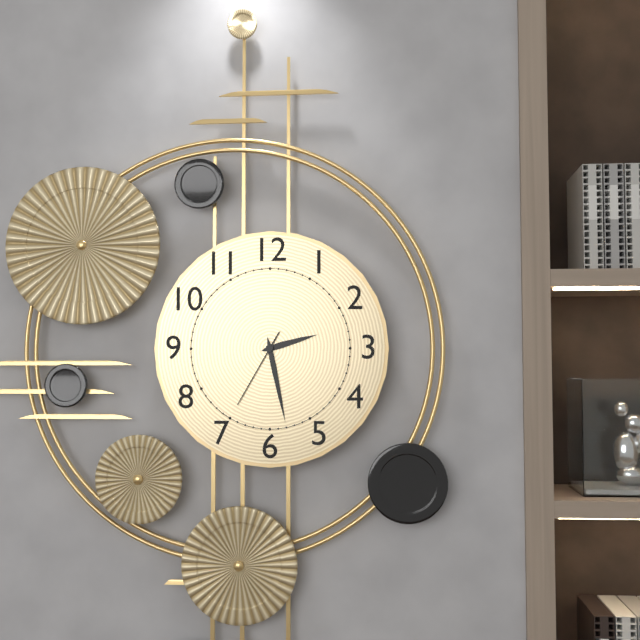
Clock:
2:28:35
